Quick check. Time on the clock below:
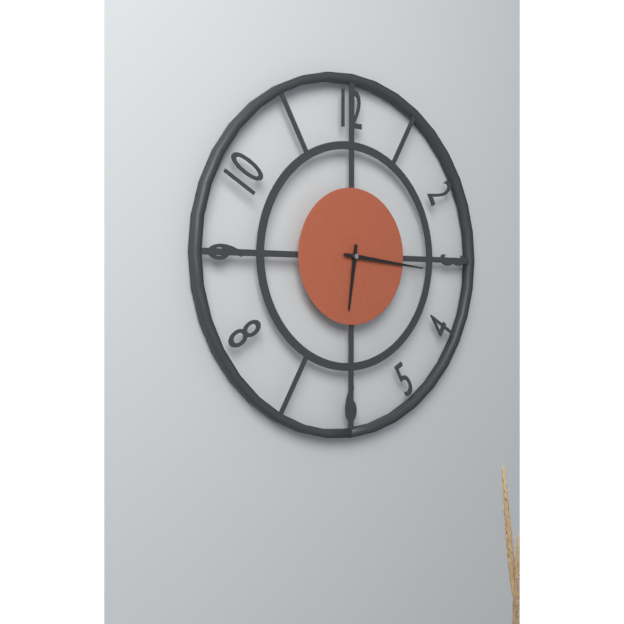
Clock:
6:16
